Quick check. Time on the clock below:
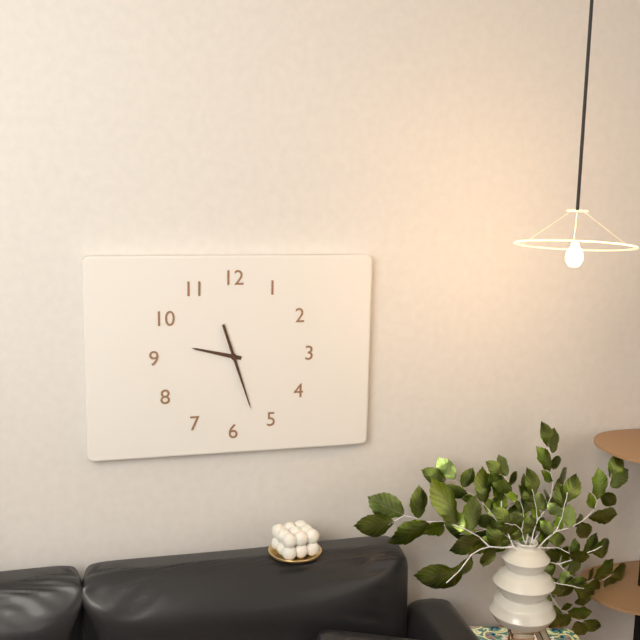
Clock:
9:27
